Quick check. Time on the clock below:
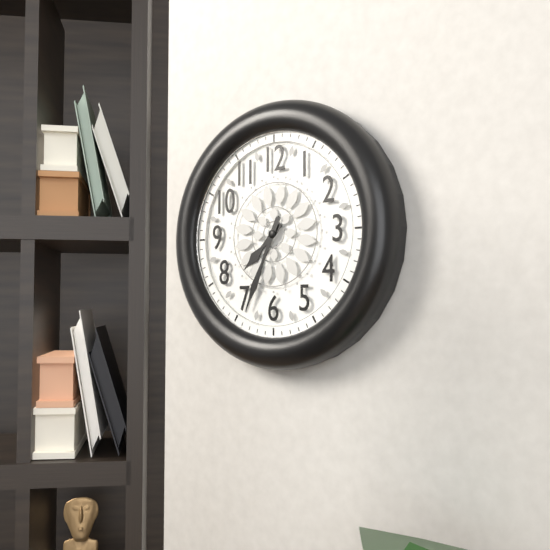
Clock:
7:34
